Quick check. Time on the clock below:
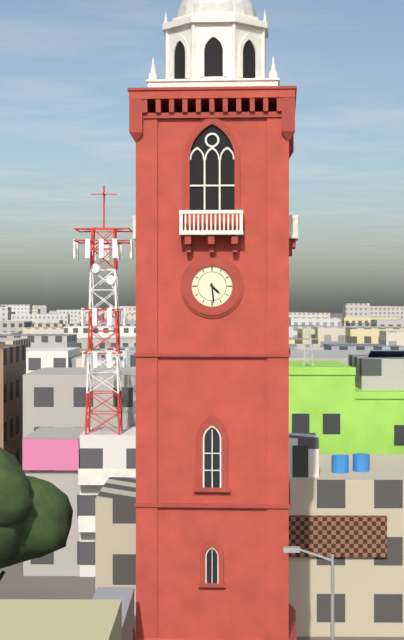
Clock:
4:29
